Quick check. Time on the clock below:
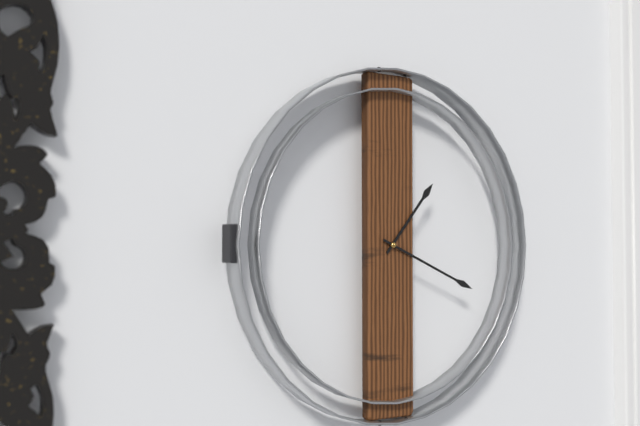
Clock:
1:19
